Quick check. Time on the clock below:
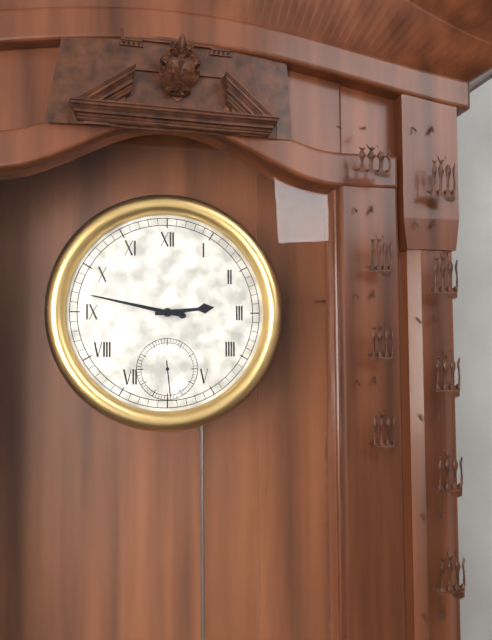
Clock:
2:47
